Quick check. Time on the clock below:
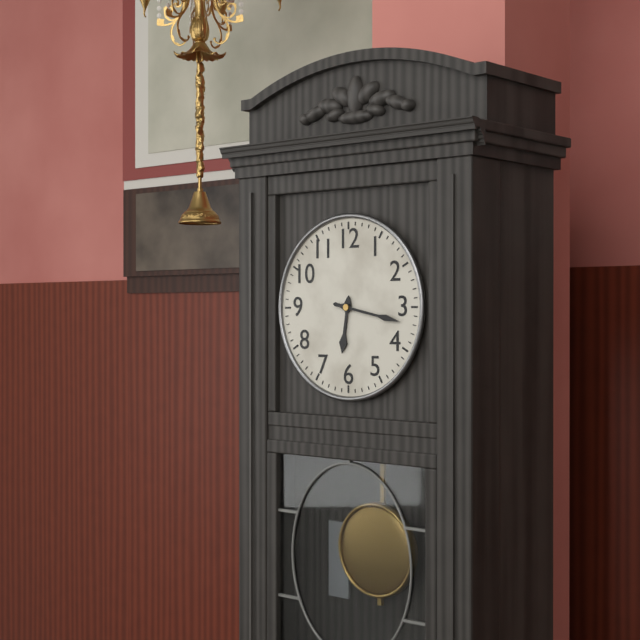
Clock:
6:17
